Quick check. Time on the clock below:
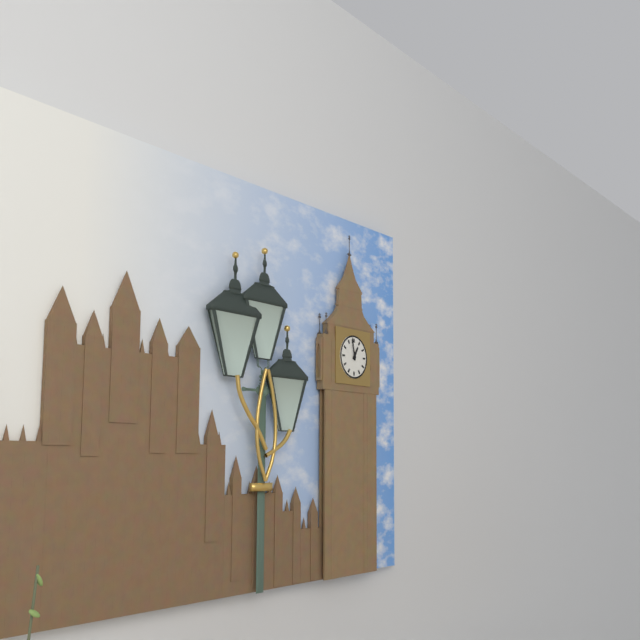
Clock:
12:58
